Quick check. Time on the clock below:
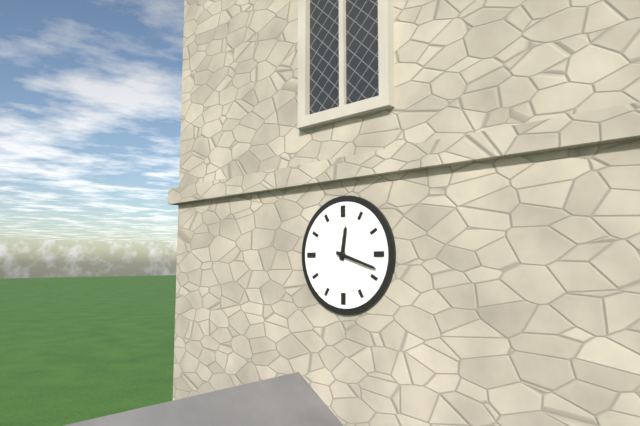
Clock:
12:18
